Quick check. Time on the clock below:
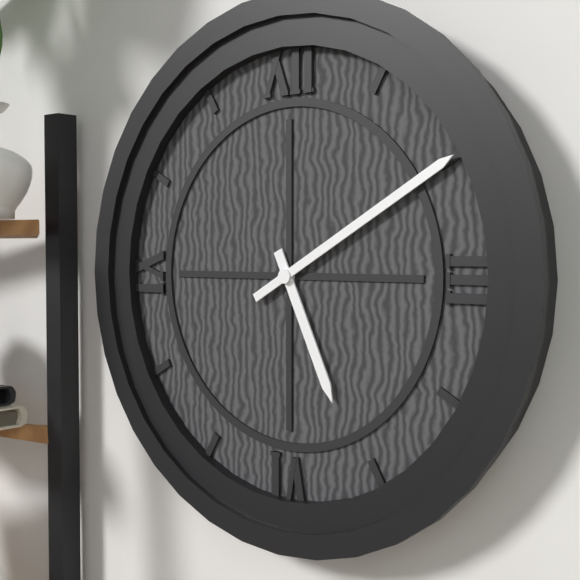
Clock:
5:10
